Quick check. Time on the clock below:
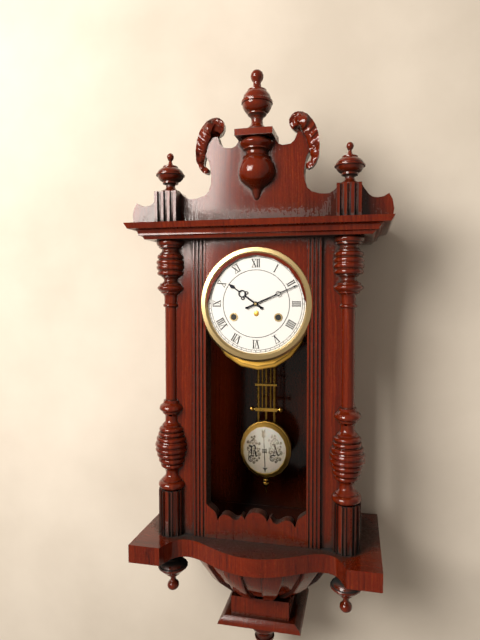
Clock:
10:11
